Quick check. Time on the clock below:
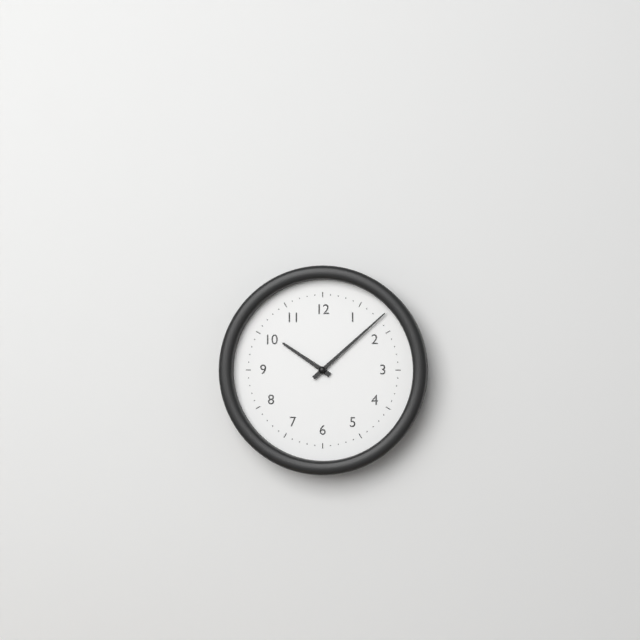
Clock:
10:08
